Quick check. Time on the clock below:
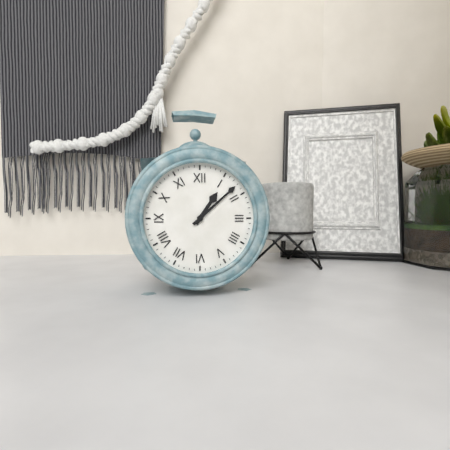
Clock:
1:08
